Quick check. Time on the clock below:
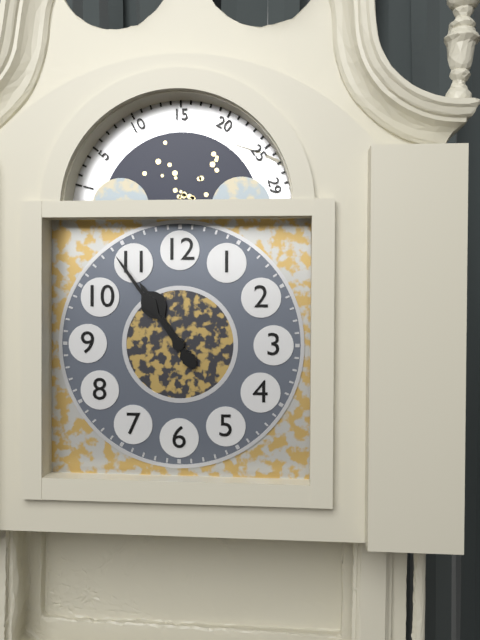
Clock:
10:54
